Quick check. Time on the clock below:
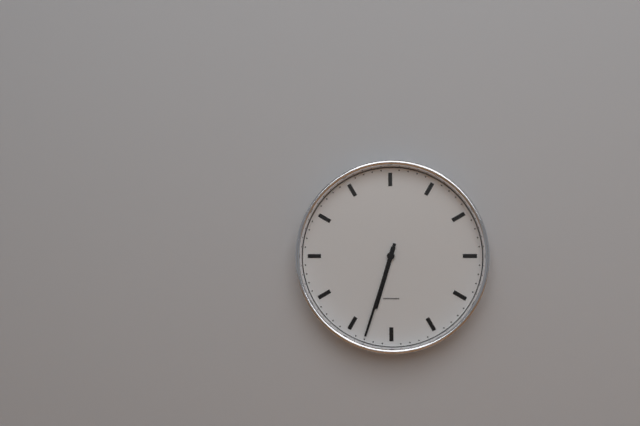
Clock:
6:33
